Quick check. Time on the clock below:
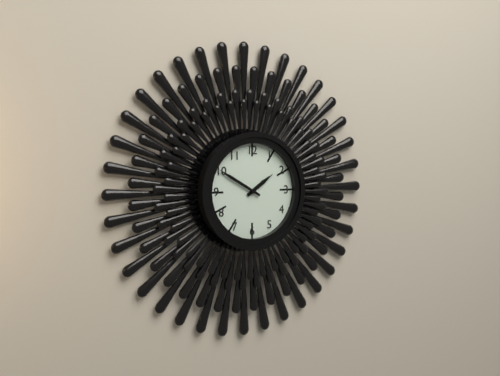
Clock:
1:50
